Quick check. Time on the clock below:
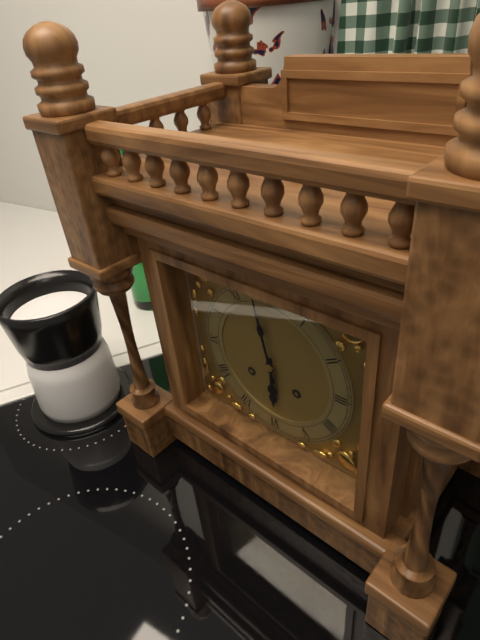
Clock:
5:58
